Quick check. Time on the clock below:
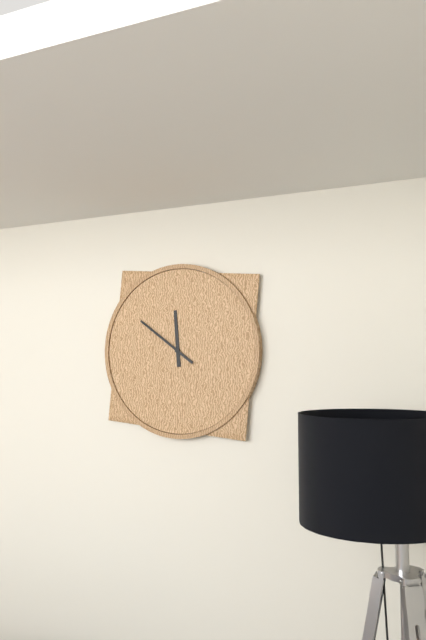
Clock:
11:51
